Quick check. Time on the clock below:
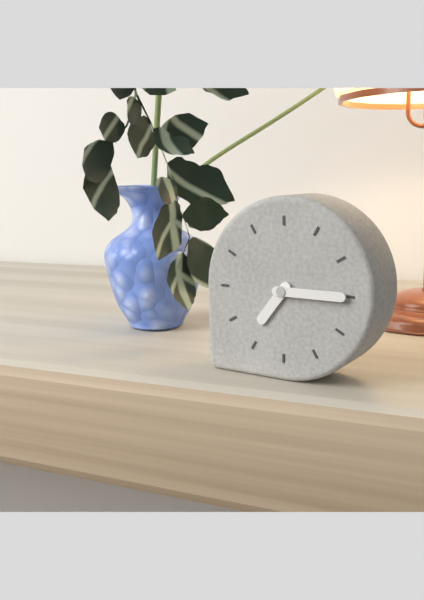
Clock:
7:15
